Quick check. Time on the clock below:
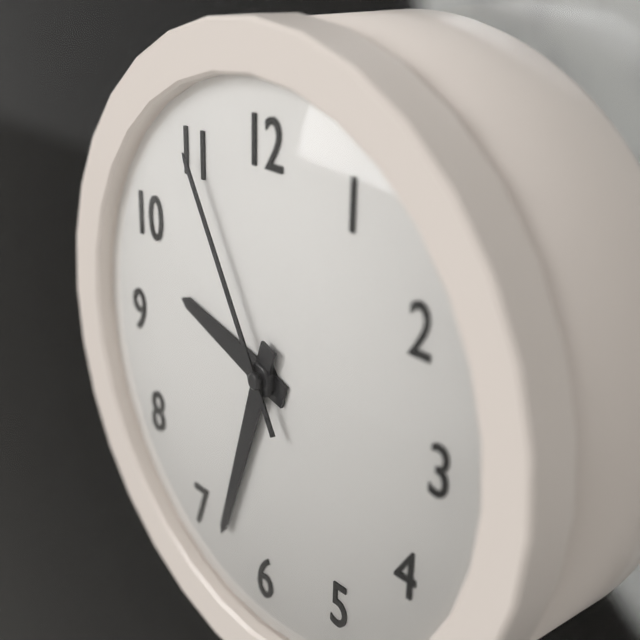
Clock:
9:33:55
